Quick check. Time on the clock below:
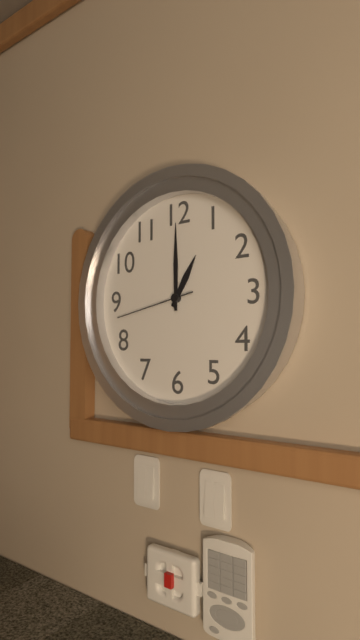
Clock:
1:00:43
